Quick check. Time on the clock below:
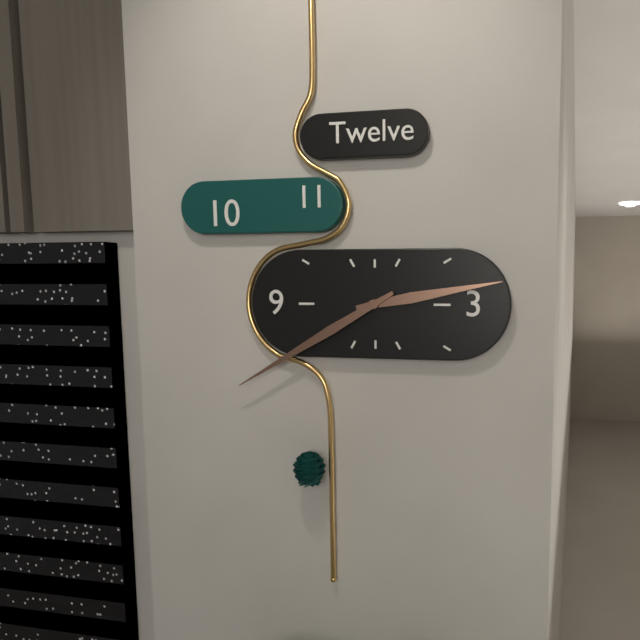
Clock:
2:40
